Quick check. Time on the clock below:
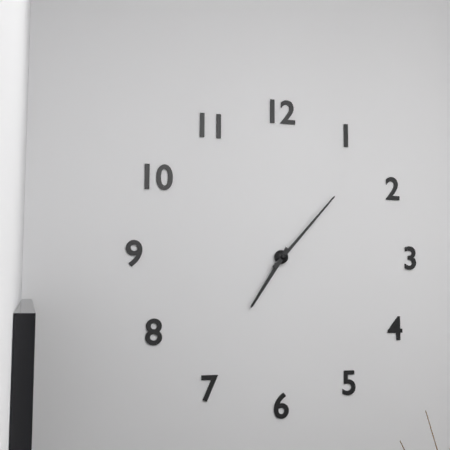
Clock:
7:07
